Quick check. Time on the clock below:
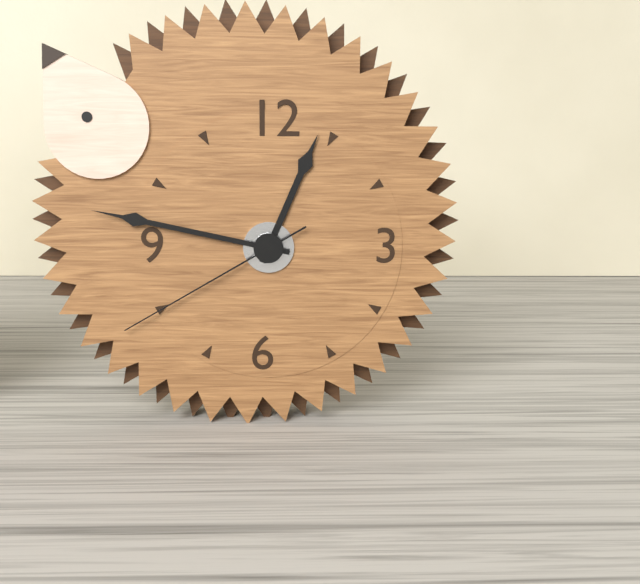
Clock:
12:47:40
